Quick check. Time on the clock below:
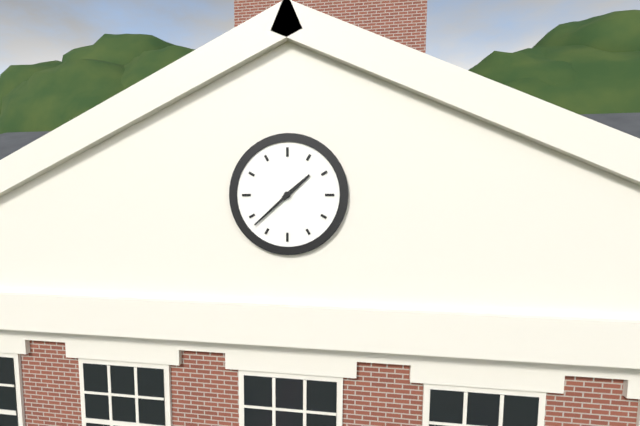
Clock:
1:38
